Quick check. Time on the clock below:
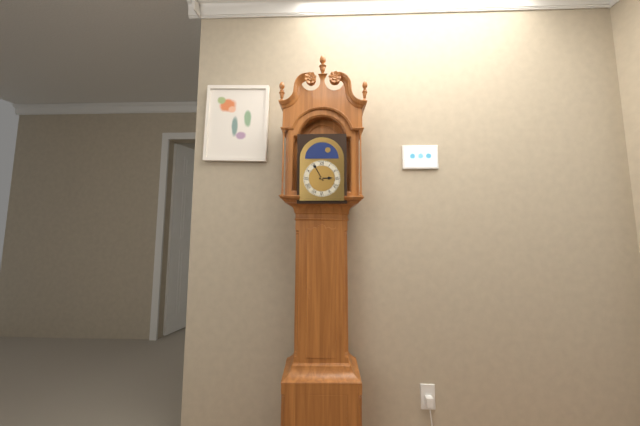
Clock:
2:55
